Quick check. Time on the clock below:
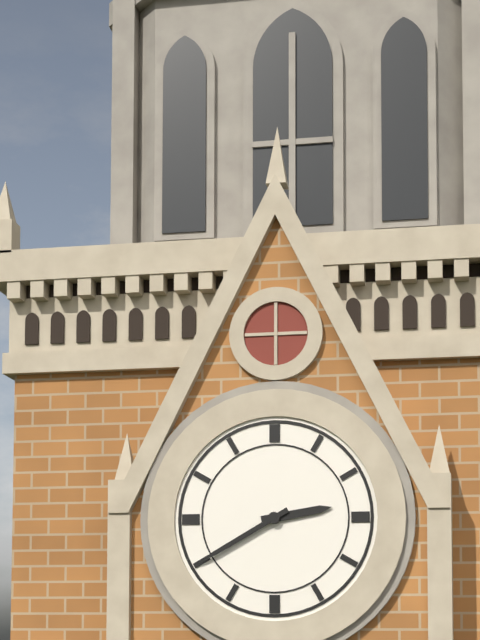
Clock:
2:40
